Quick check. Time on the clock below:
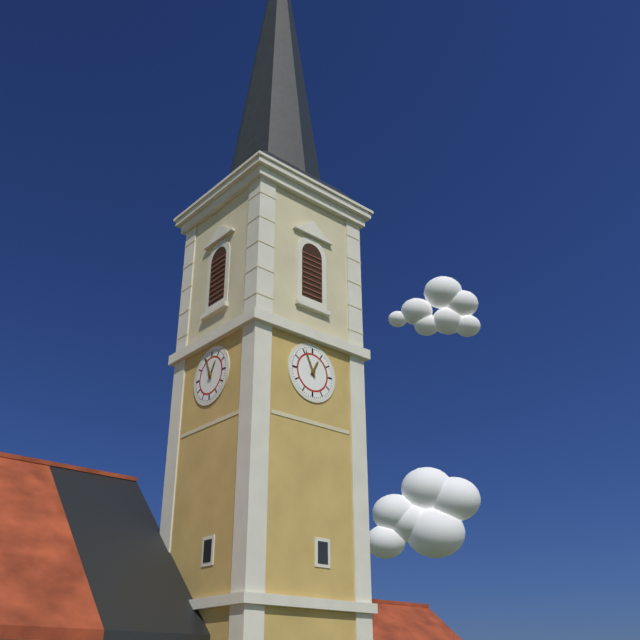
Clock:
12:56
